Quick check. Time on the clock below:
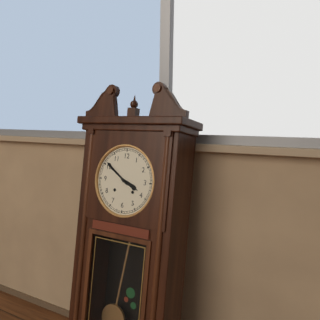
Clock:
3:51
